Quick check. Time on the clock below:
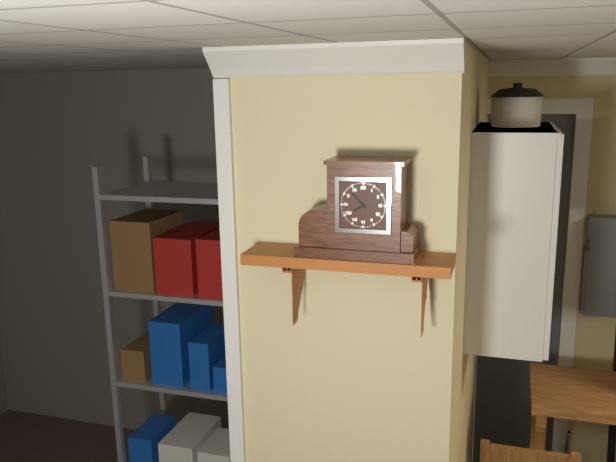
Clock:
7:53
